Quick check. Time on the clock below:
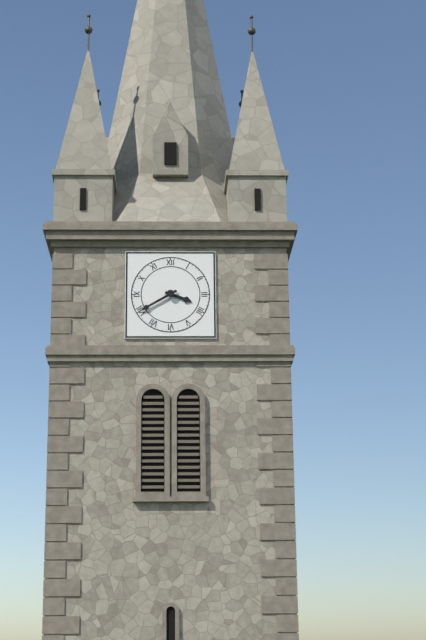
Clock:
3:40
